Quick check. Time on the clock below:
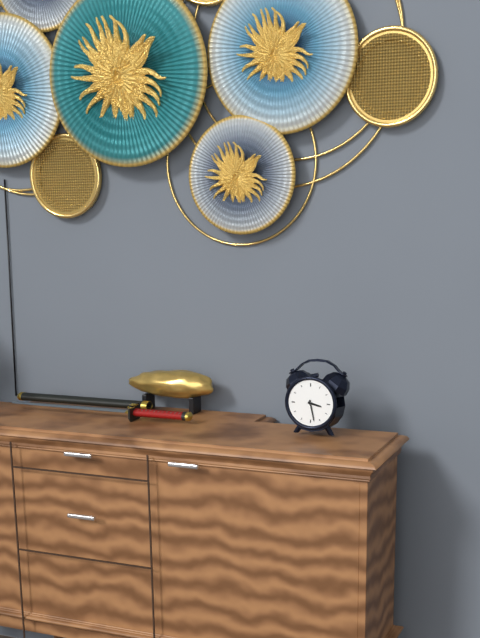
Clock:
3:28
